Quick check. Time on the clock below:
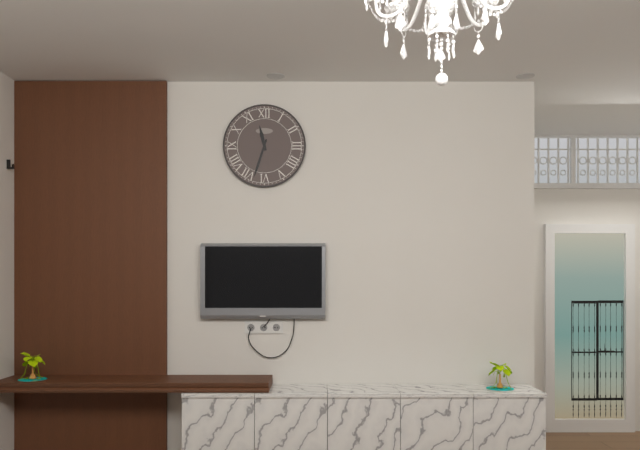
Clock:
11:33
